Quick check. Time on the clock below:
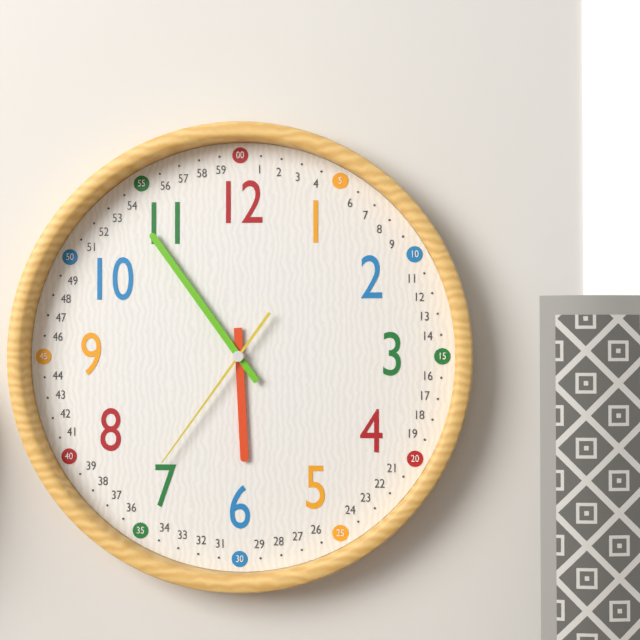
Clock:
5:54:36
